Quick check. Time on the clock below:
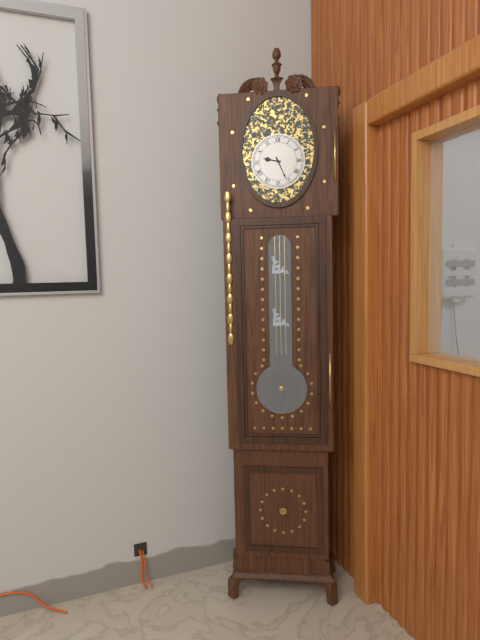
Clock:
9:26
